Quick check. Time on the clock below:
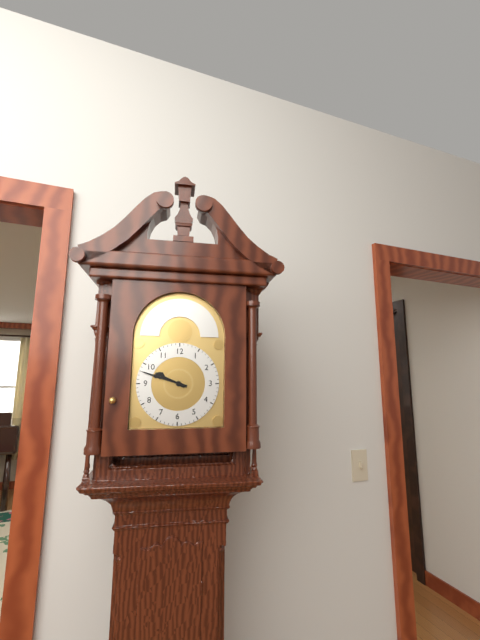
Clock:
9:48
